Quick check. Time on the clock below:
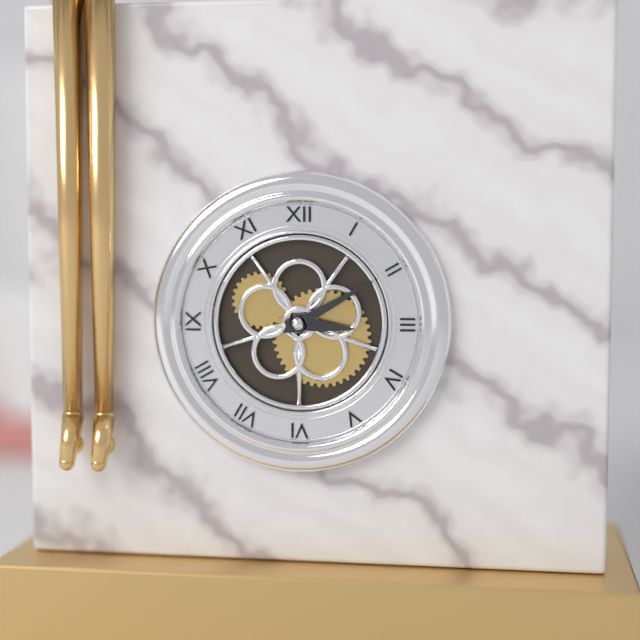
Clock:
3:10
